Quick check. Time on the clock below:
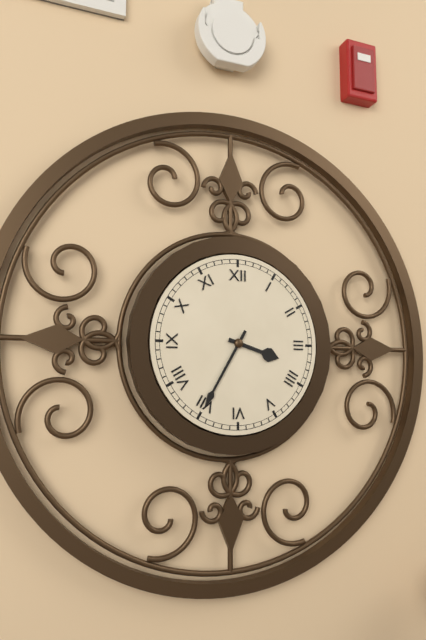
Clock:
3:35
